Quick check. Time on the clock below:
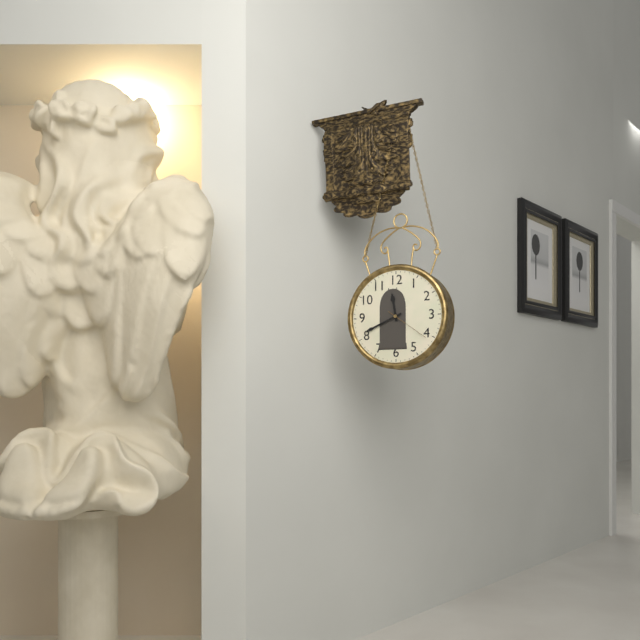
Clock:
11:41
